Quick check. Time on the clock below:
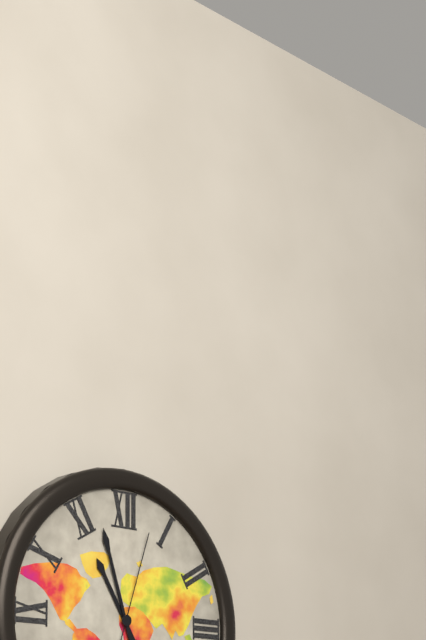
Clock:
10:57:03
